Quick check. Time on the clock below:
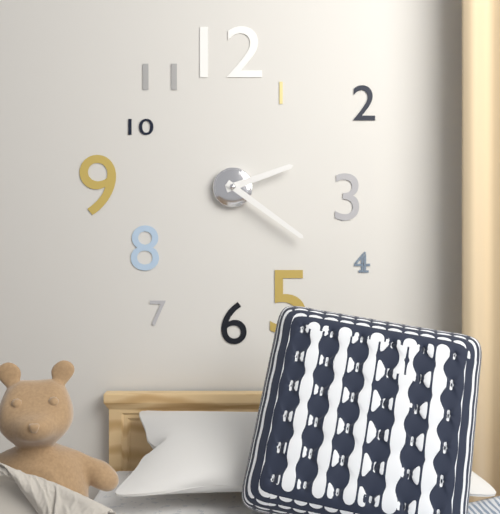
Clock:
2:21
